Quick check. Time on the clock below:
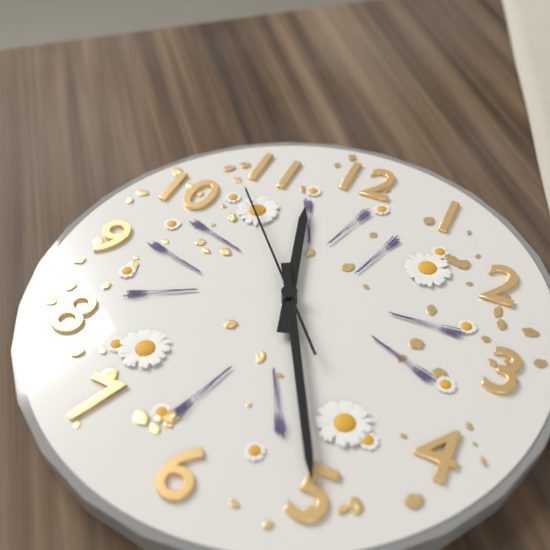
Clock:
11:25:53
